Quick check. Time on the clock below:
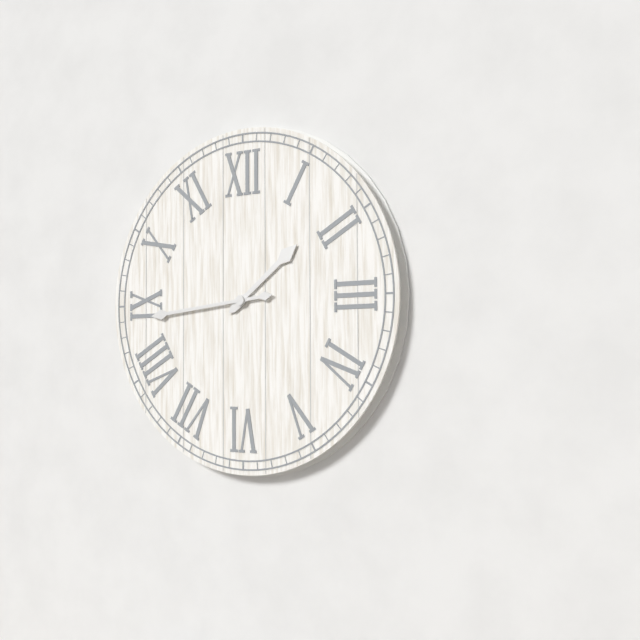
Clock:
1:44
